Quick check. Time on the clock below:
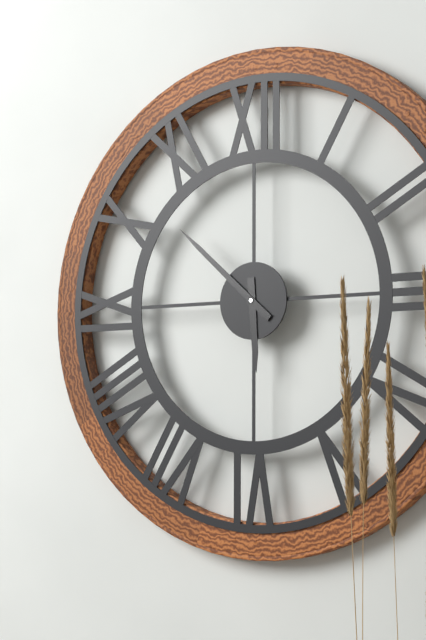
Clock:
5:52
